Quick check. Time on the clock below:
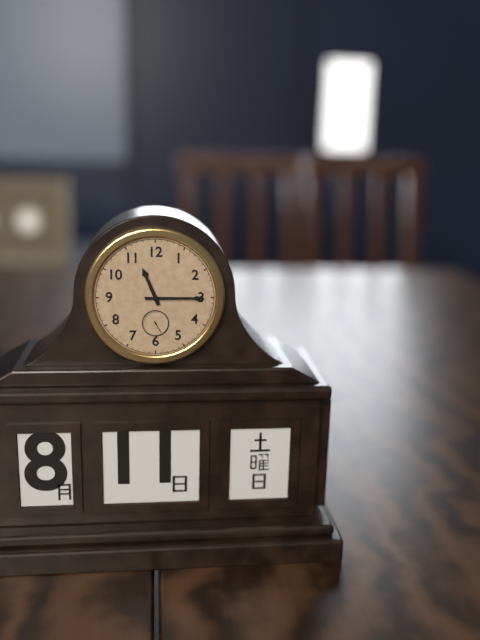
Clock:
11:15
